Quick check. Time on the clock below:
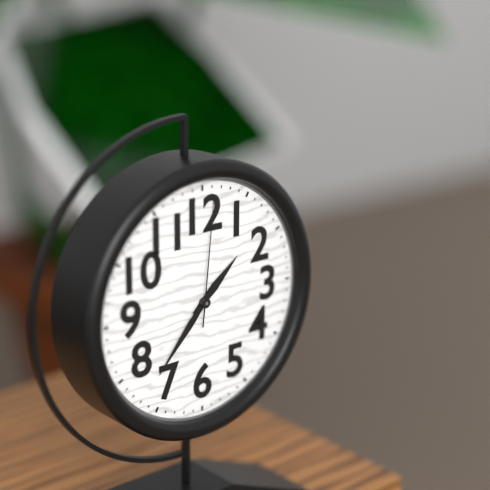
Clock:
1:37:01
